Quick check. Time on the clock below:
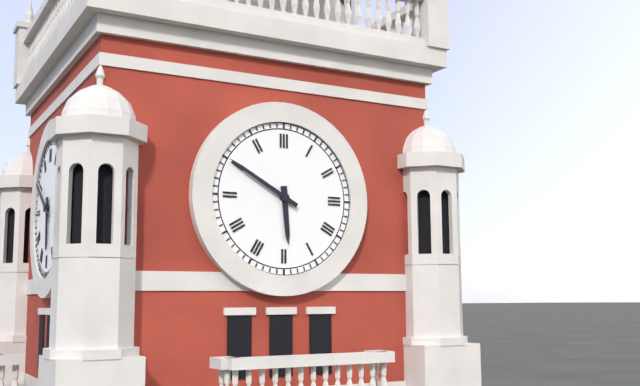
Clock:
5:50
